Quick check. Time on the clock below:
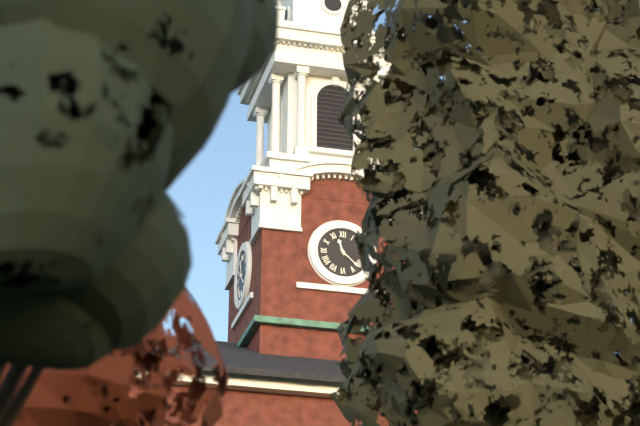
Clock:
11:22
